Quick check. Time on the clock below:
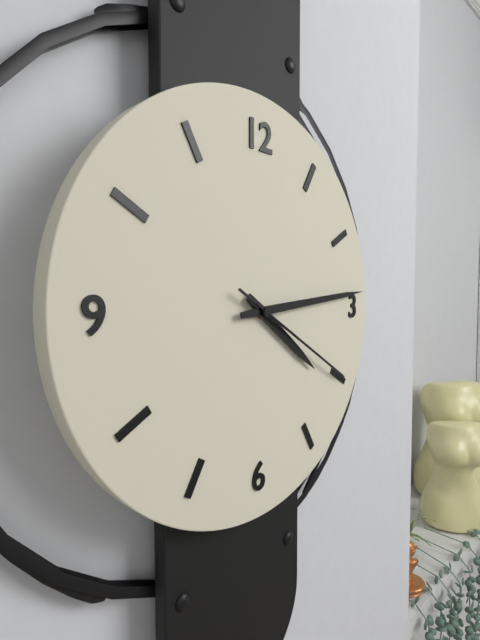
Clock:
4:14:20
